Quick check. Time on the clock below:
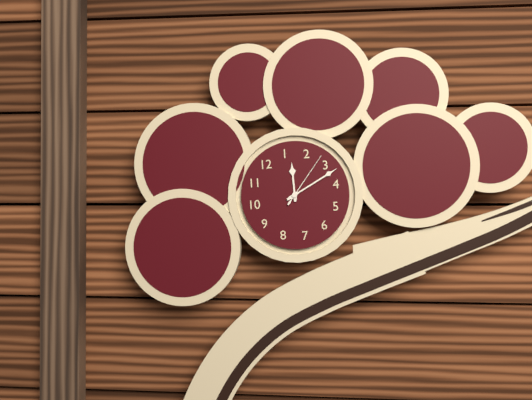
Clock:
1:17:13
